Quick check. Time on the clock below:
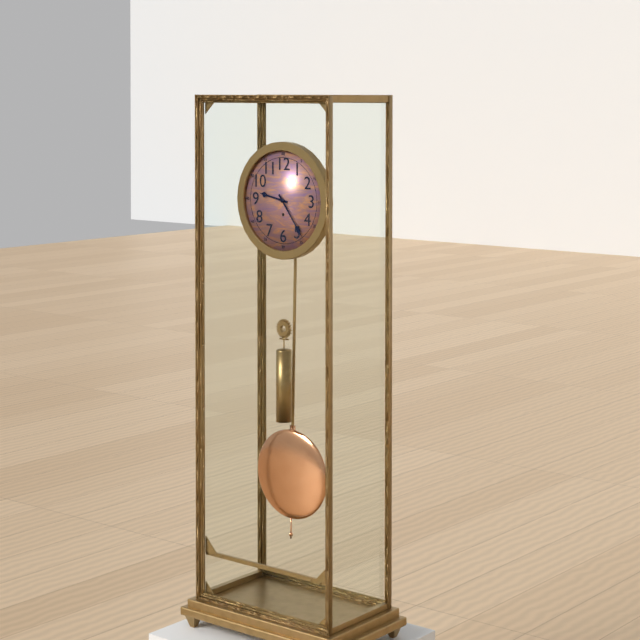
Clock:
9:24
